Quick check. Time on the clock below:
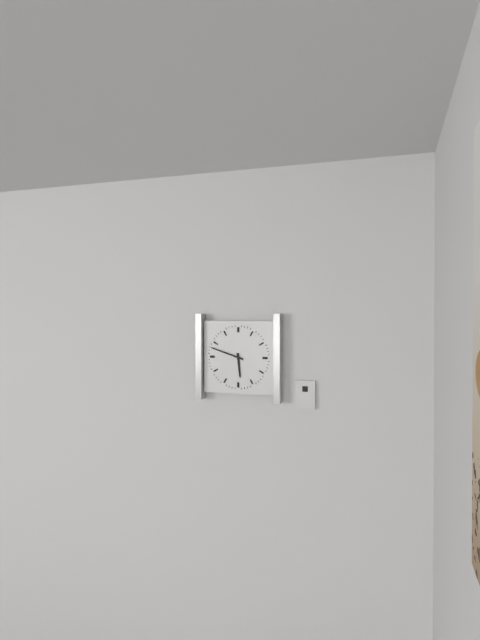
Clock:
5:48
